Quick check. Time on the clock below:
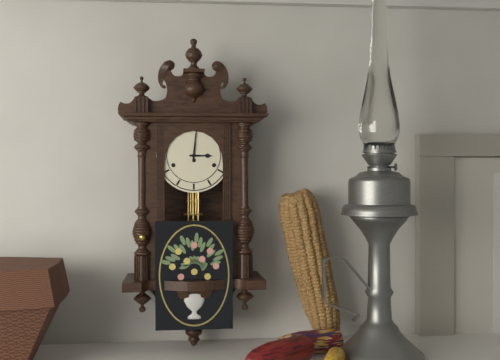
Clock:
3:01
